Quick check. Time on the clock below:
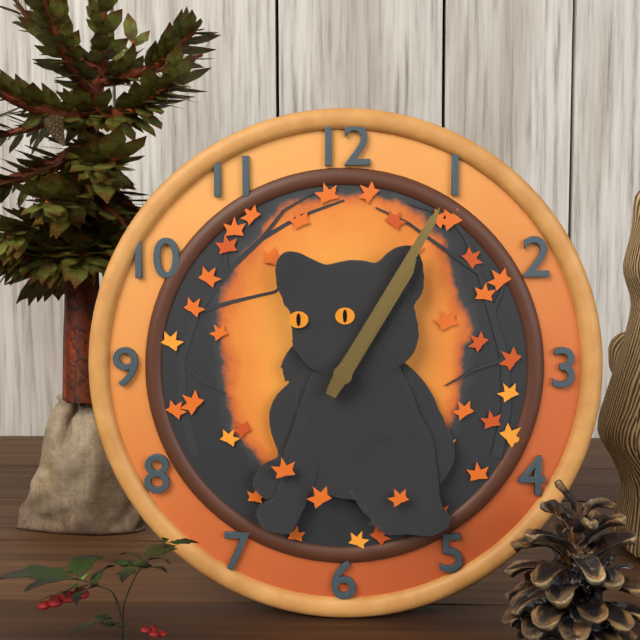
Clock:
1:05
